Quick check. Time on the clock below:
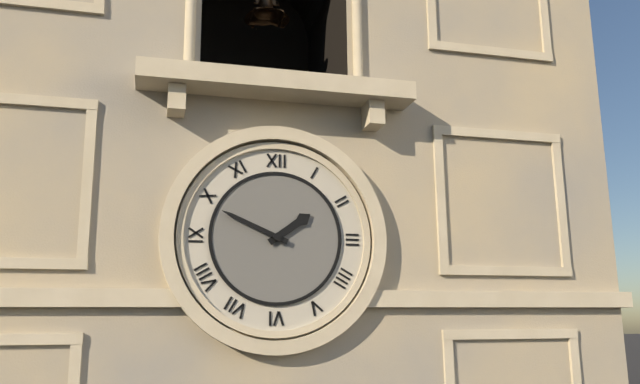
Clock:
1:49
